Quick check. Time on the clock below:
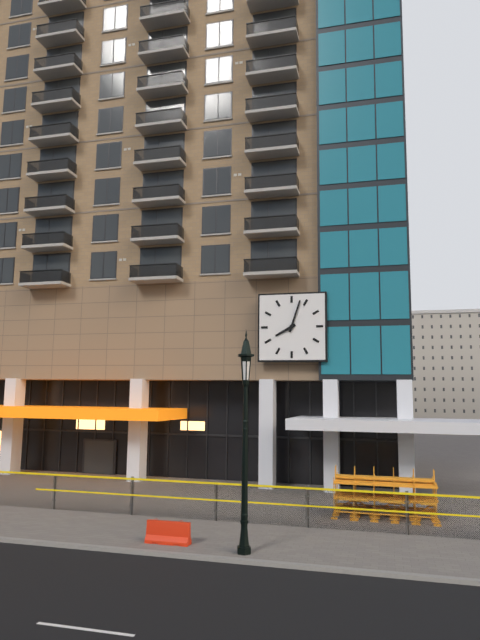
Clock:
8:03
